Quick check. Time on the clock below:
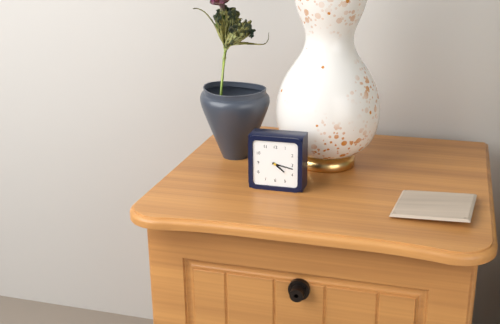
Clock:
4:17
